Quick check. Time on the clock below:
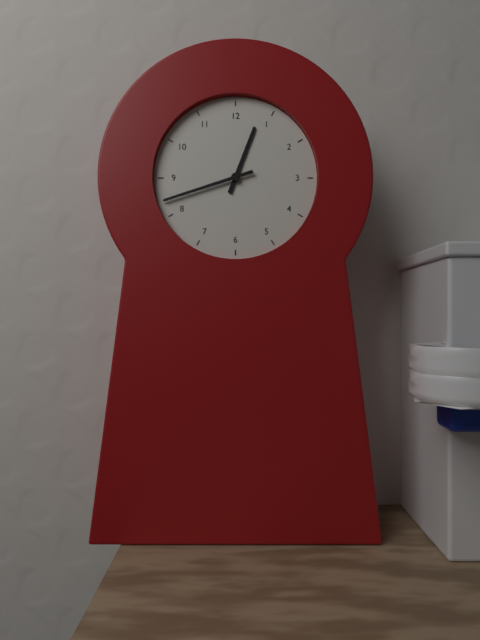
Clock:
12:42
